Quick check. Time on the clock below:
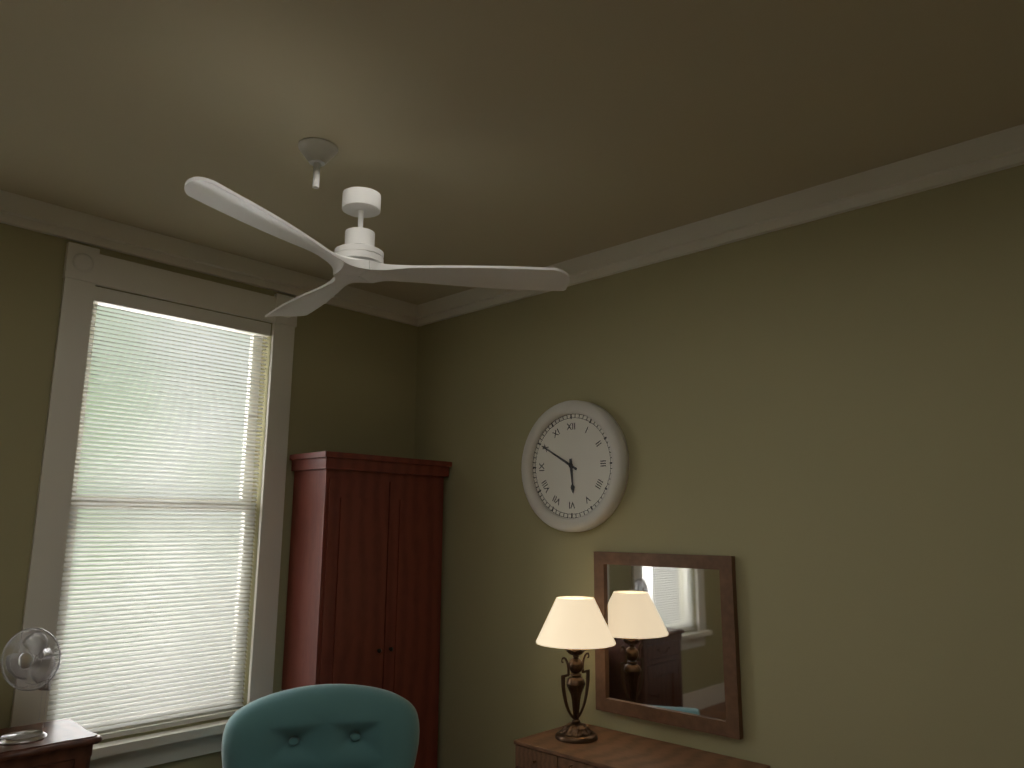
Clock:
5:50
